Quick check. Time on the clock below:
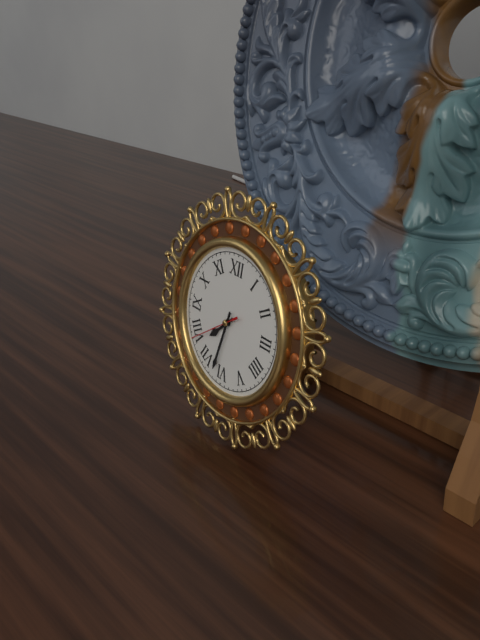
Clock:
7:32:39
